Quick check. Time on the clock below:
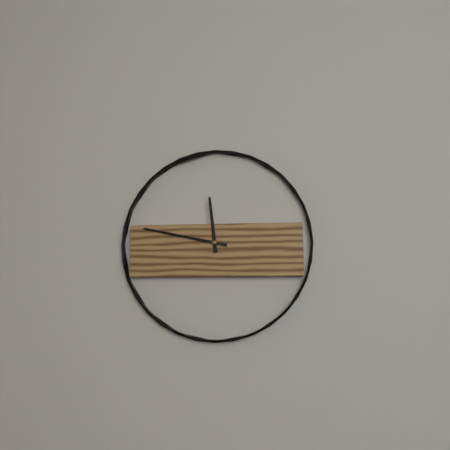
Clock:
11:47
